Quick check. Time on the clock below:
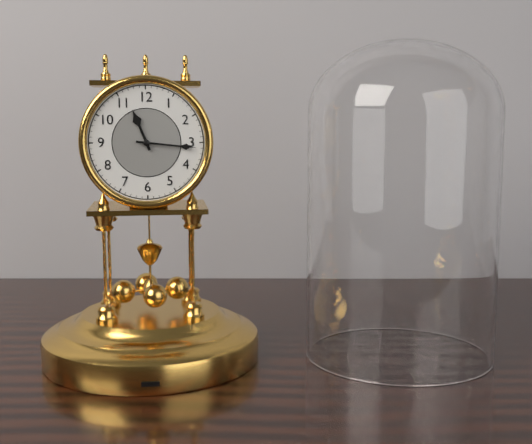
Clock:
11:16
